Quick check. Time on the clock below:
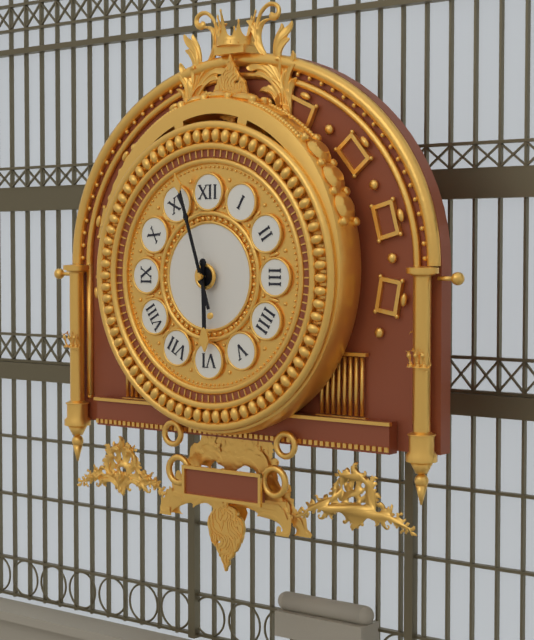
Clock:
5:57
